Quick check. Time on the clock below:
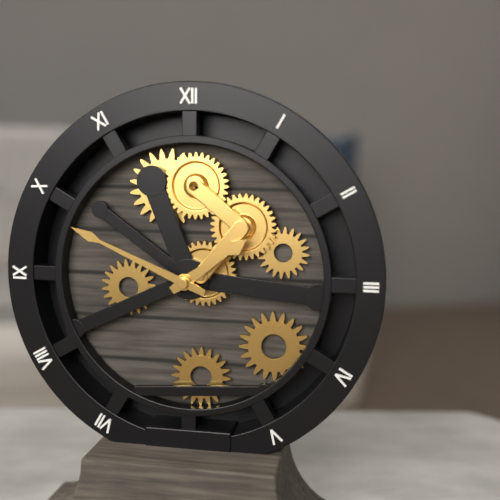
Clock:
1:49
